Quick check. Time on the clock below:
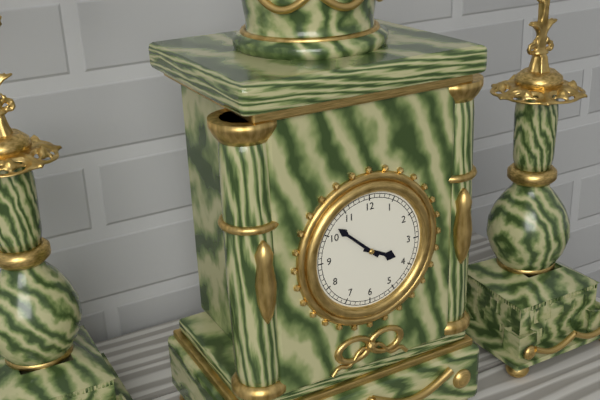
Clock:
3:52
